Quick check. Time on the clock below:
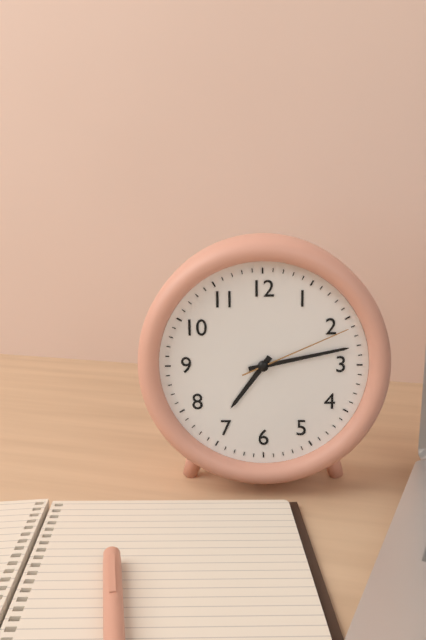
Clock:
7:13:11
